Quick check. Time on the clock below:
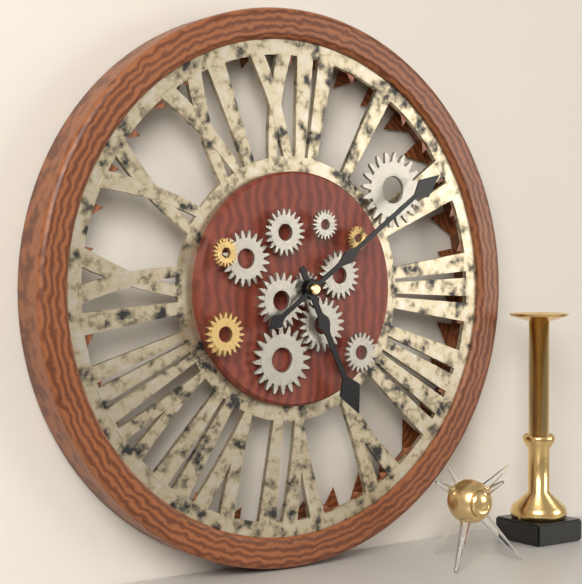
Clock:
5:09
